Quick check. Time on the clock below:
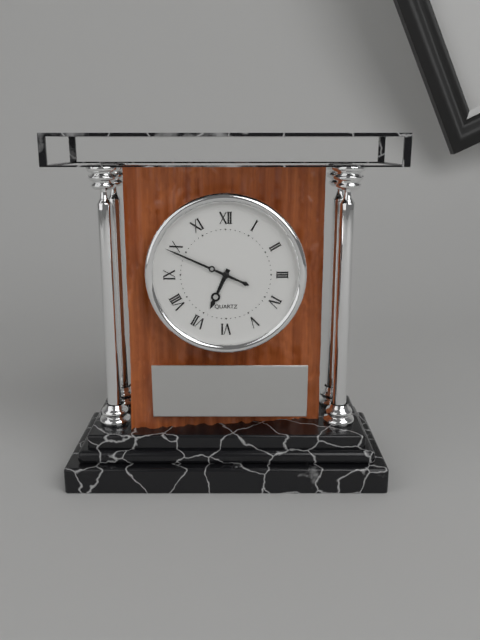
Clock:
6:49
